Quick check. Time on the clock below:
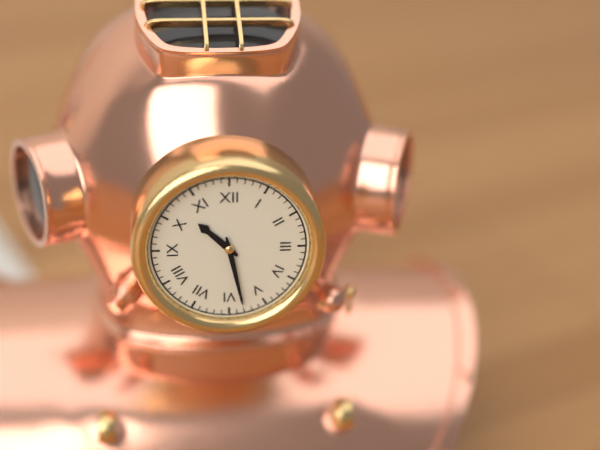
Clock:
10:28
